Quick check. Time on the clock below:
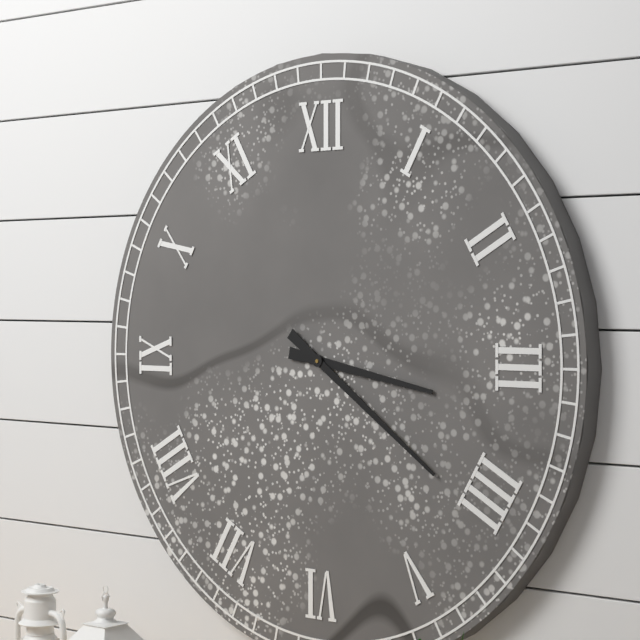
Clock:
3:21
